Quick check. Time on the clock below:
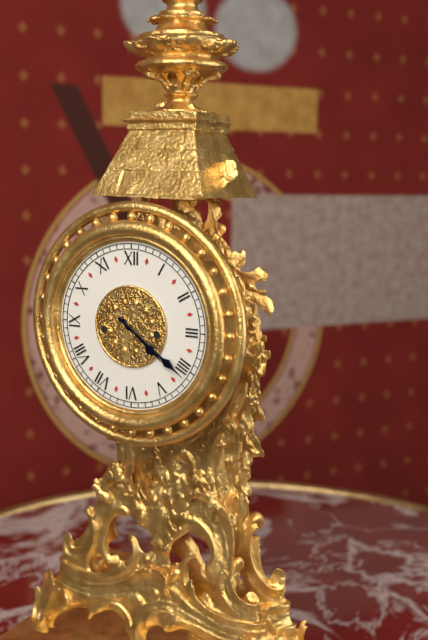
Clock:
4:21
